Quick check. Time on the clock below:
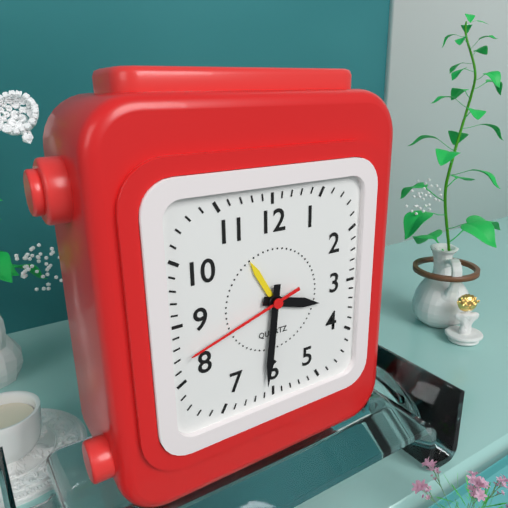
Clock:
3:31:42
